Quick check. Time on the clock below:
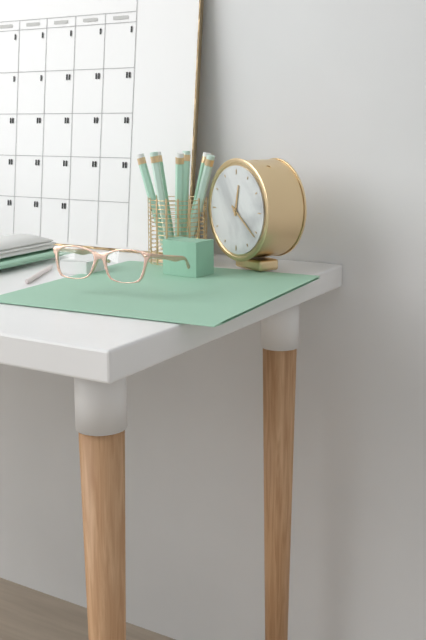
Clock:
12:21
